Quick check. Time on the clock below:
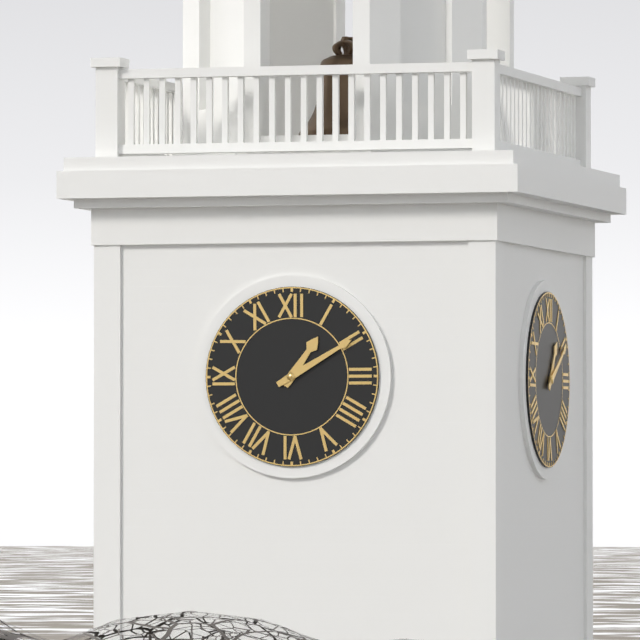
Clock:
1:10
